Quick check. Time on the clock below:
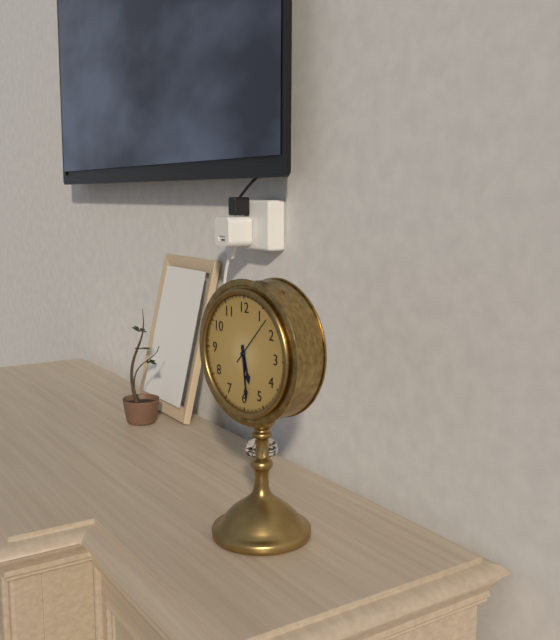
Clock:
5:29
